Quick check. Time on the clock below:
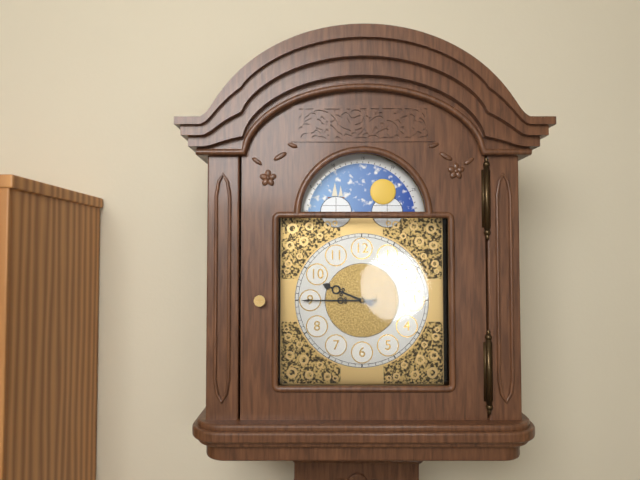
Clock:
9:45
